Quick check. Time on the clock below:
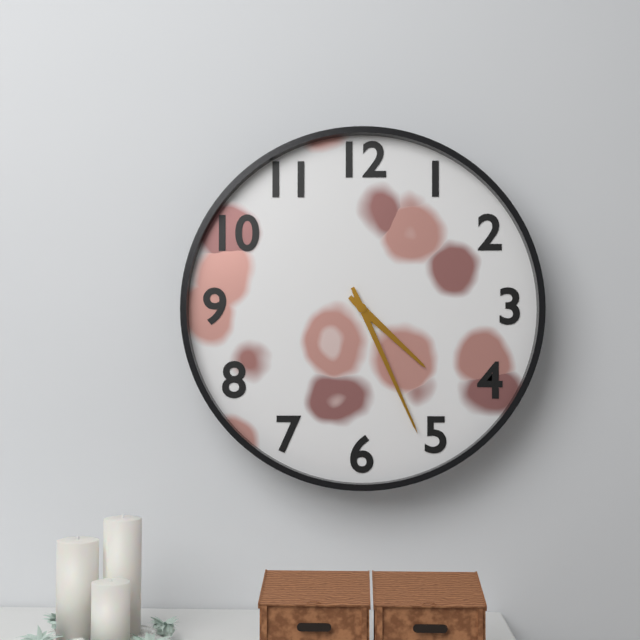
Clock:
4:26
